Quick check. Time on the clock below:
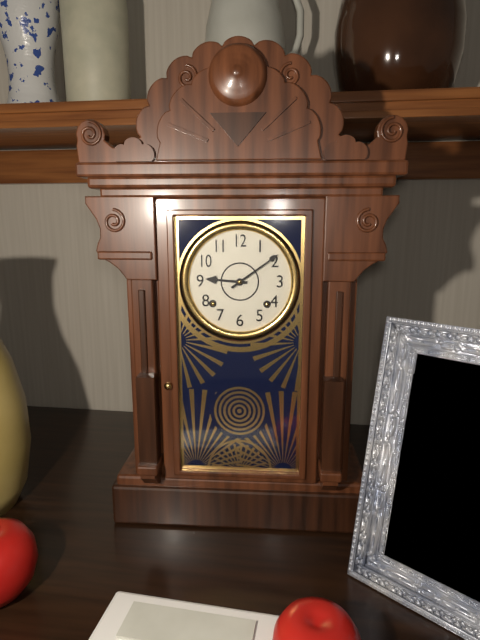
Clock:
9:09
